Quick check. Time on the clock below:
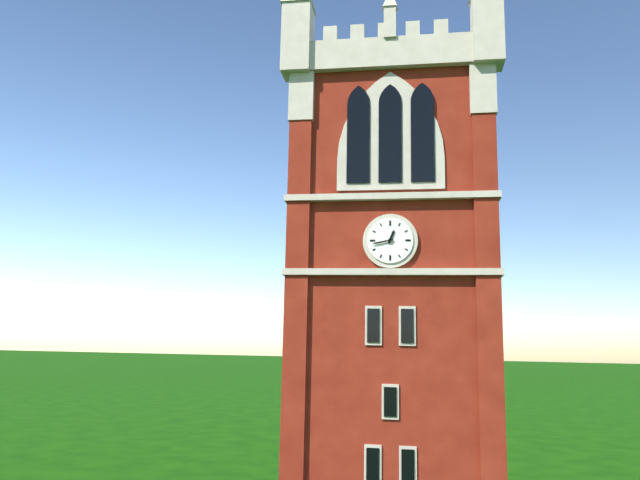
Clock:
12:43
